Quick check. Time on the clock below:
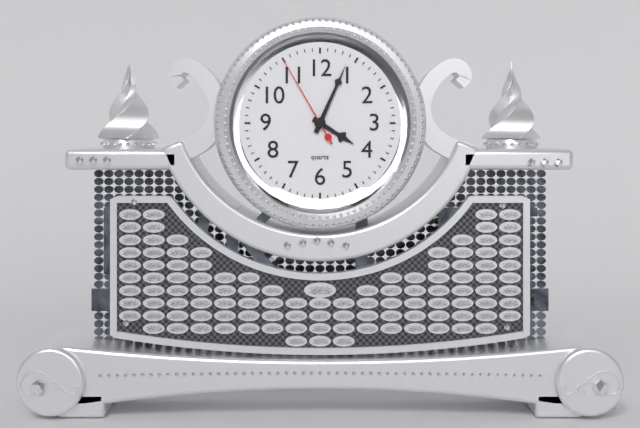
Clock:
4:04:55
